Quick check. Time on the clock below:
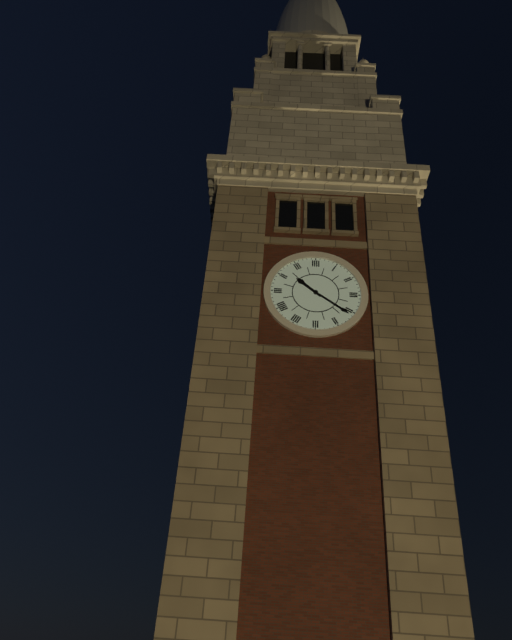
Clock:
10:21
